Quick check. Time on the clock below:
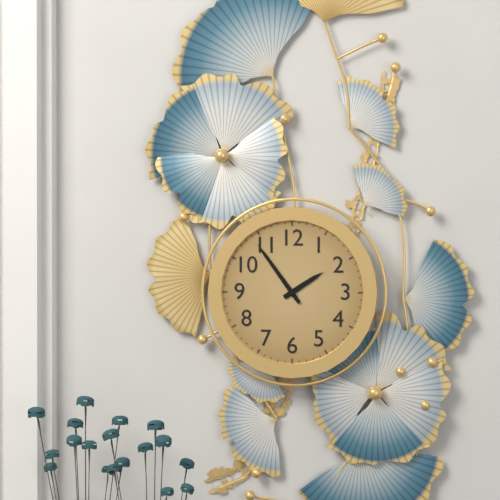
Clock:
1:54
